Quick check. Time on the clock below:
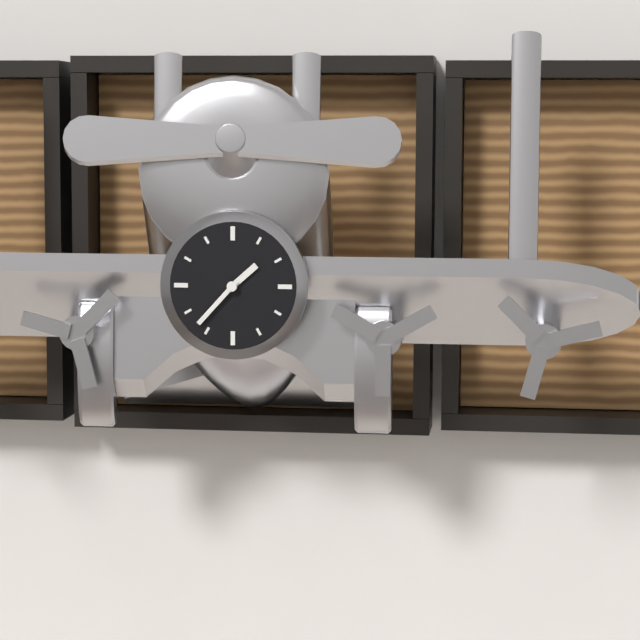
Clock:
1:37
